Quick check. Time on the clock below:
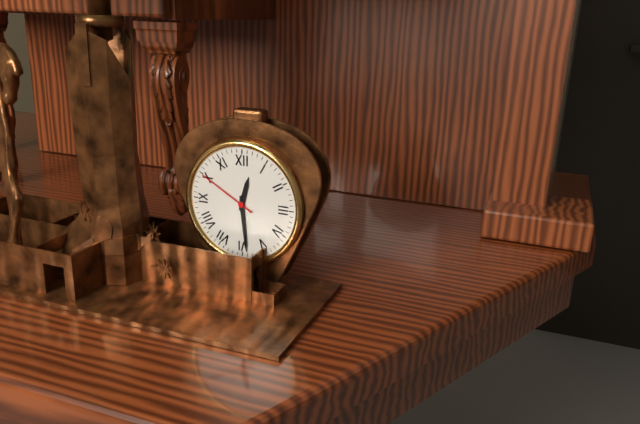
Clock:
12:29:50
